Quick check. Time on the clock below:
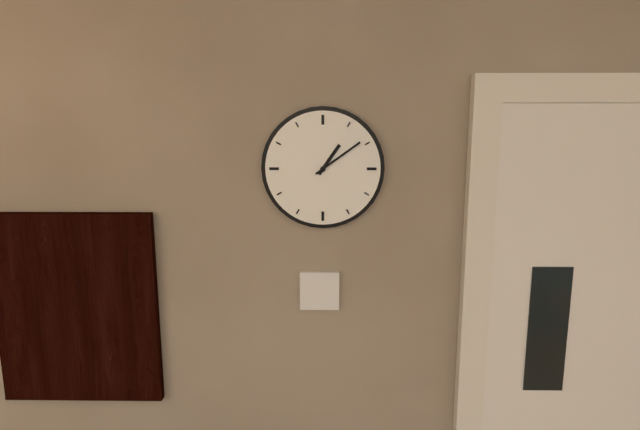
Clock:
1:09
